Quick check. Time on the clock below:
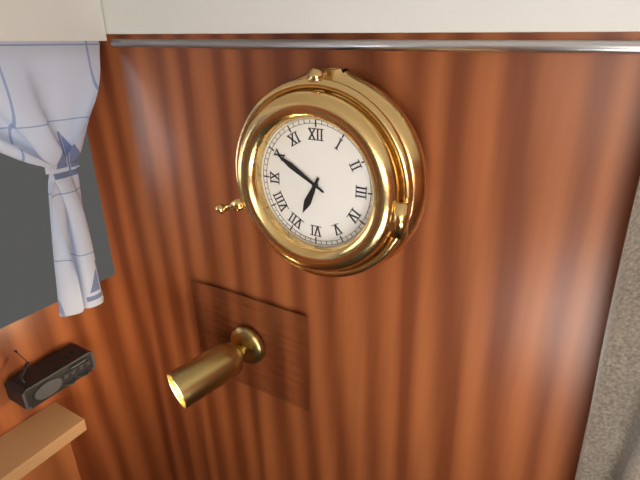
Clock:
6:50
